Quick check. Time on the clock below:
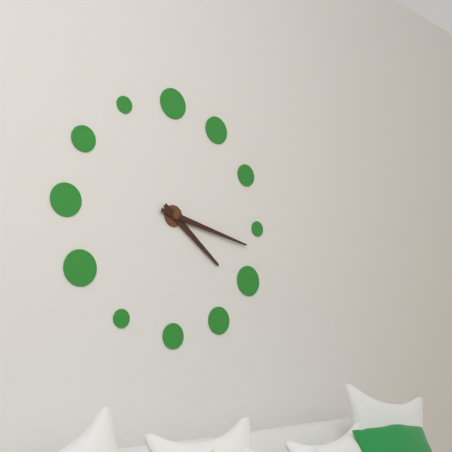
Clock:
4:17
